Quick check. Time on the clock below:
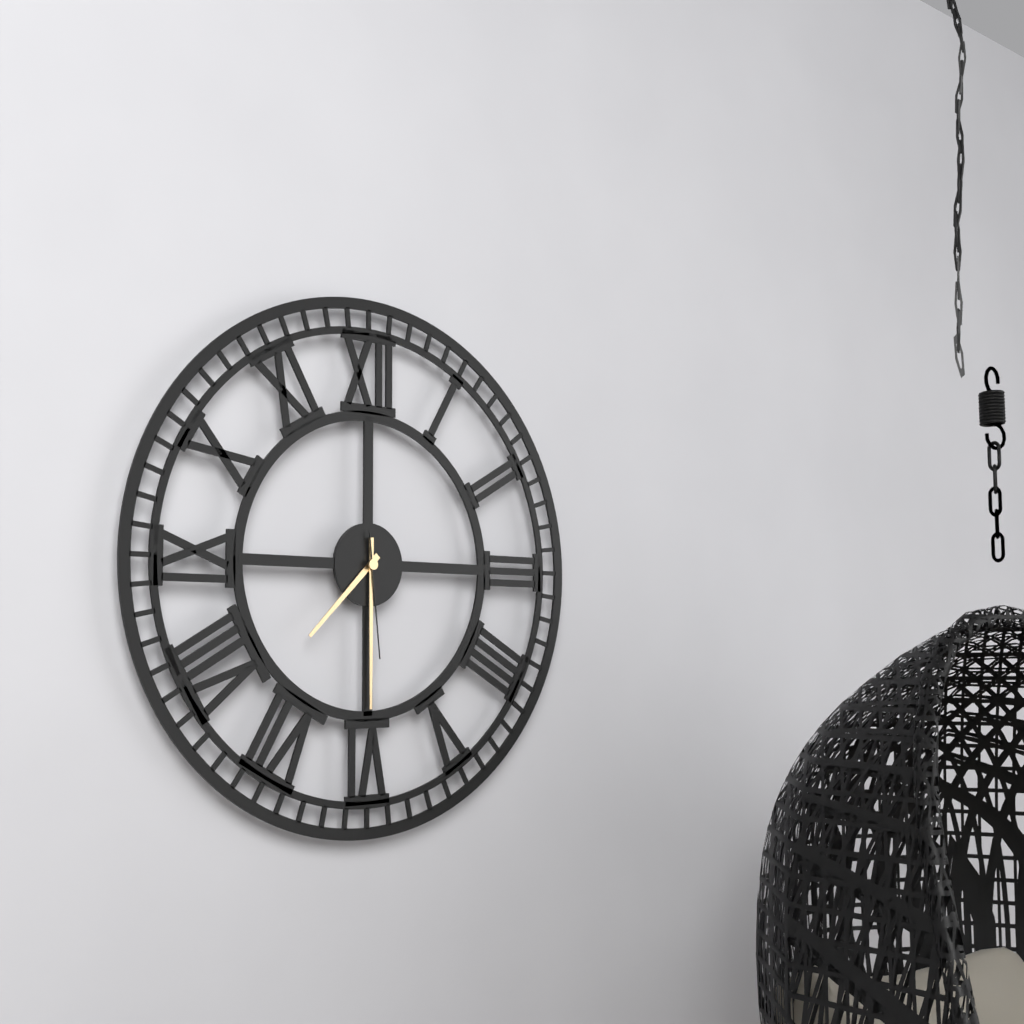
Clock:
7:30:29
